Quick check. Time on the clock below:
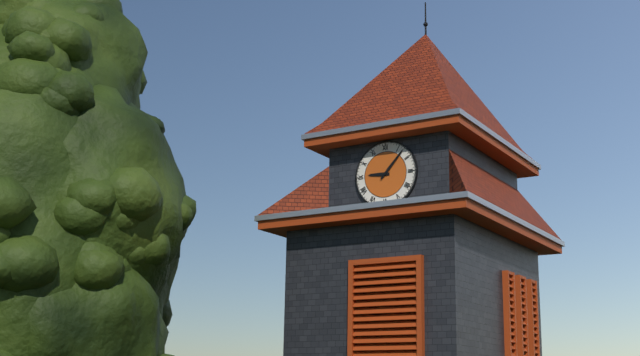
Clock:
9:07
